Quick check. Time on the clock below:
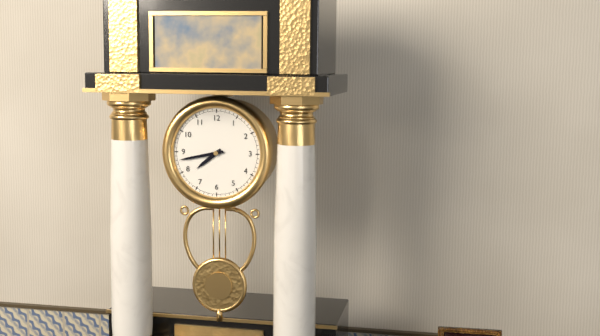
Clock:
7:43
